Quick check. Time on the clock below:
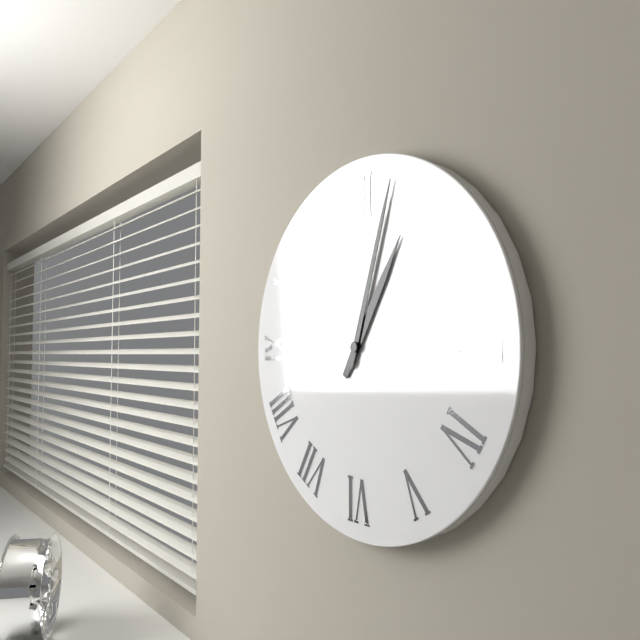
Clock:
1:03
